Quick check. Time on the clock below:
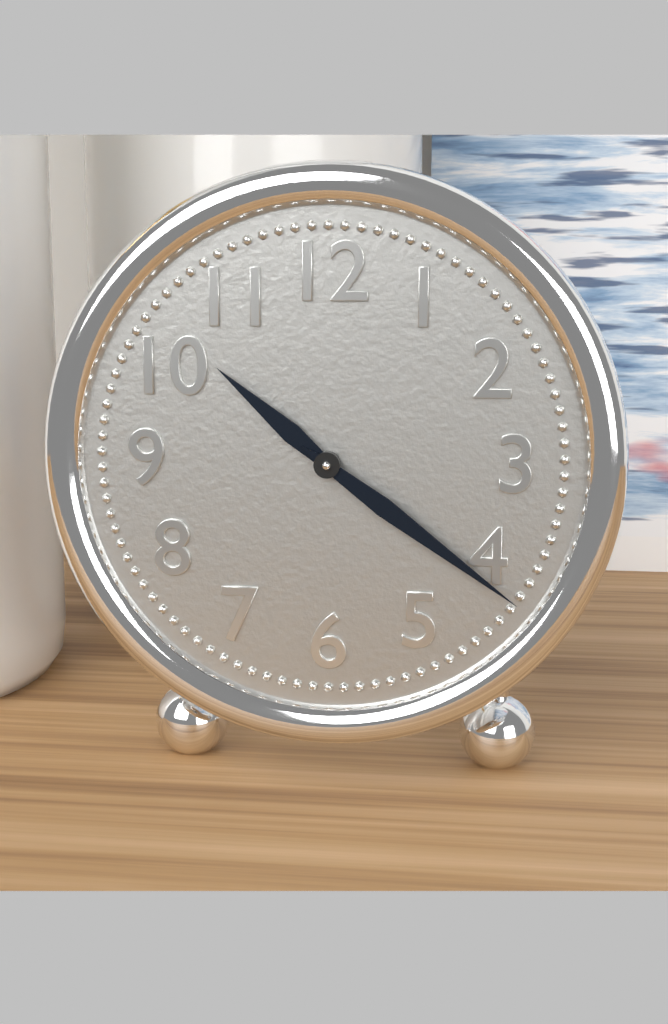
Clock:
10:21
